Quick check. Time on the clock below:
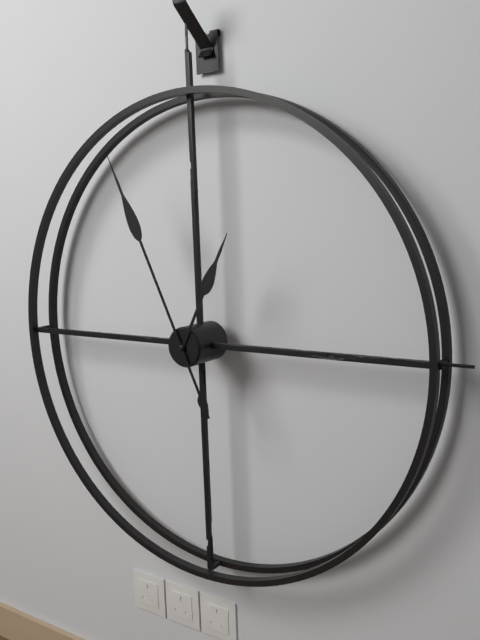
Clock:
12:56
